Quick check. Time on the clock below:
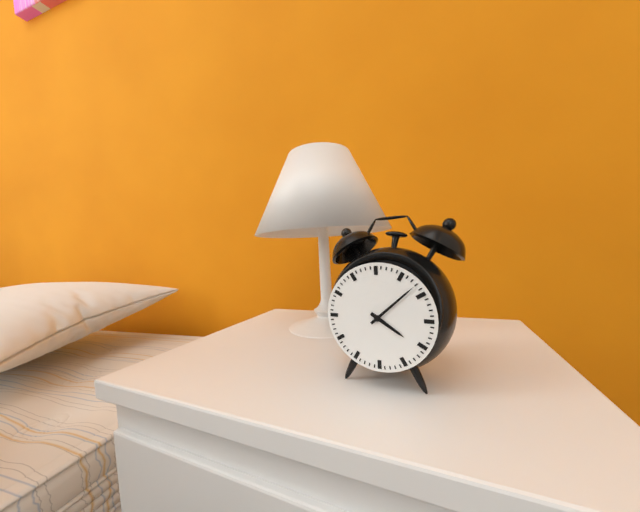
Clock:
4:08
